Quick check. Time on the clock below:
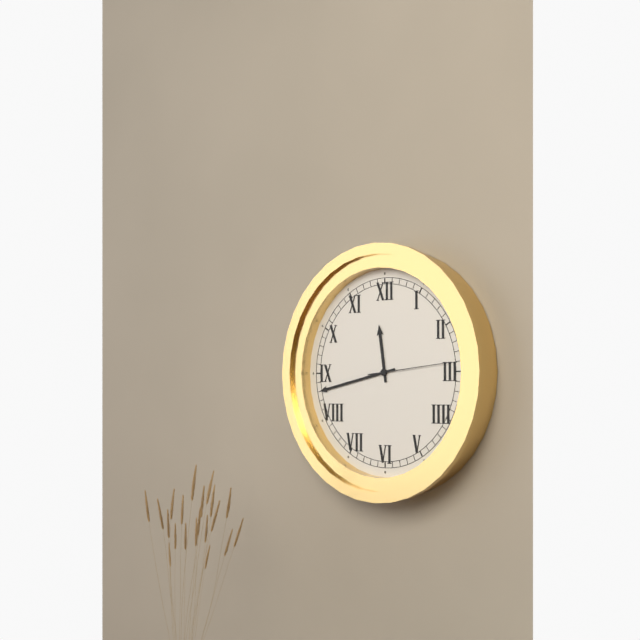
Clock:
11:43:14
